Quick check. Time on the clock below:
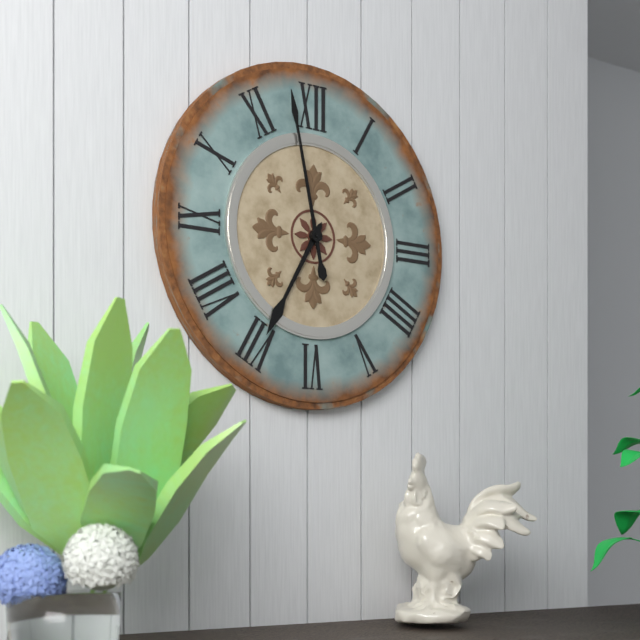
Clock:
6:58
